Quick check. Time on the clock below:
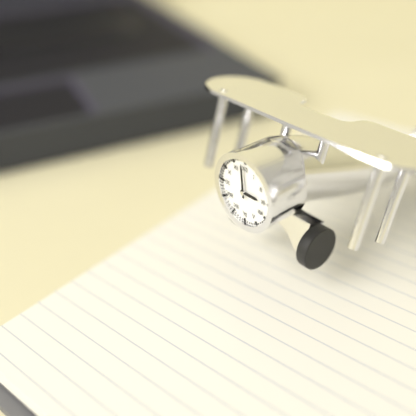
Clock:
2:59
